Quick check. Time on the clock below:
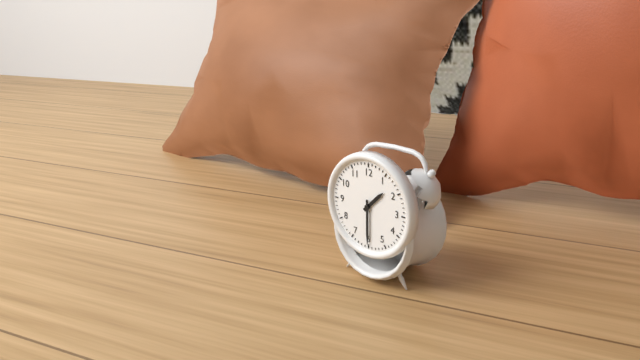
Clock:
1:30
